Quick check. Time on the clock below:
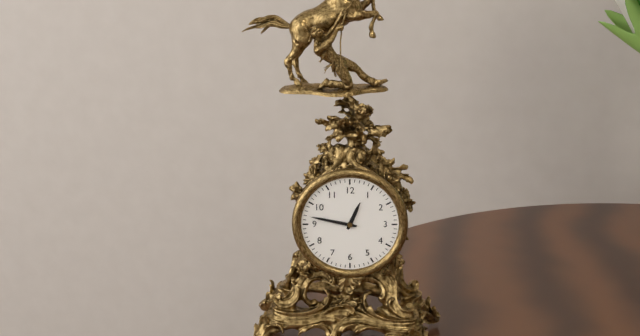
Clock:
12:47
